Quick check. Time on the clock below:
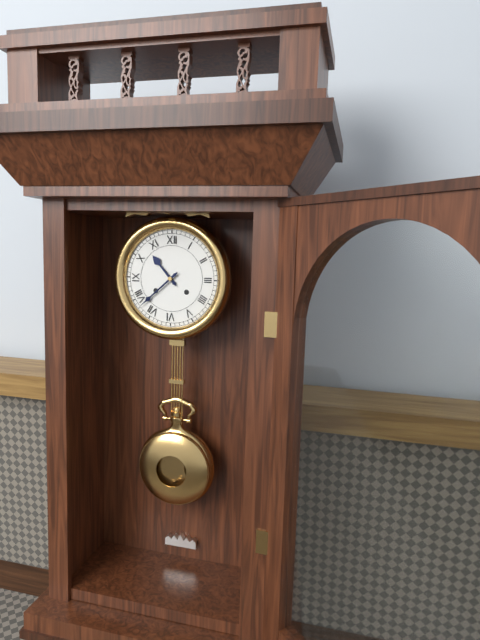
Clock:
10:38
